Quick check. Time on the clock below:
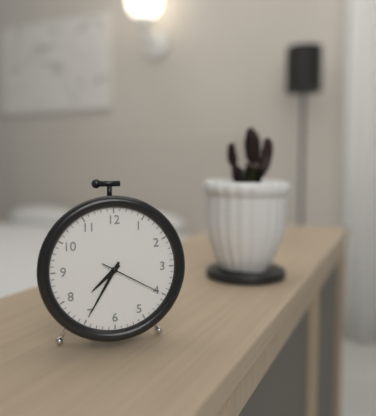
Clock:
7:35:20
